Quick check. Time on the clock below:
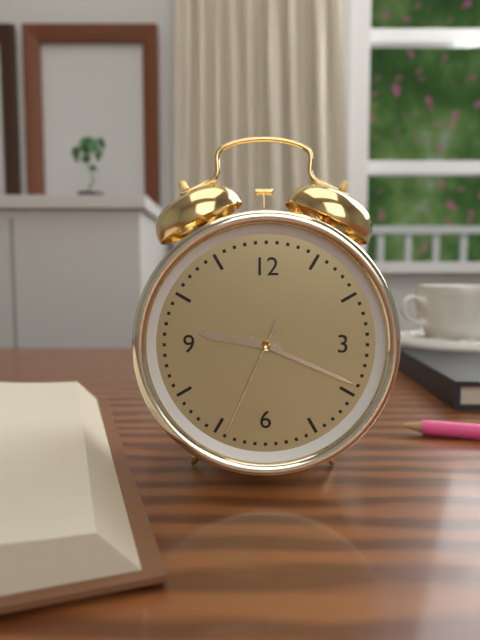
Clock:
9:19:34
